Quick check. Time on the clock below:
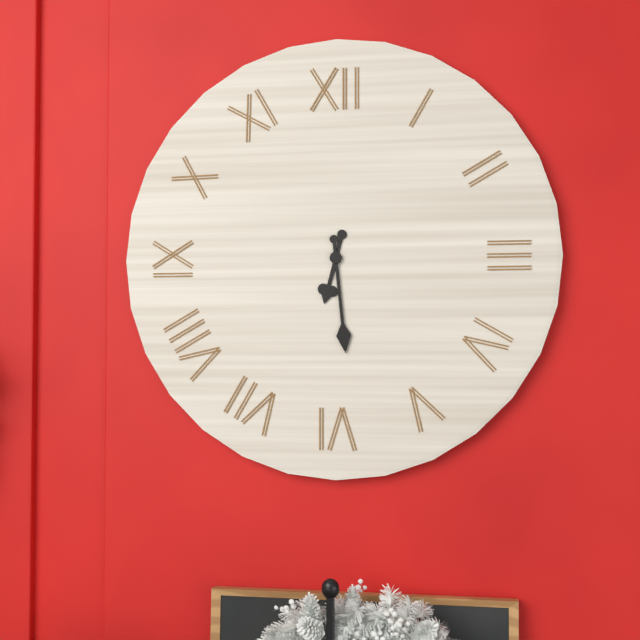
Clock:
6:29
